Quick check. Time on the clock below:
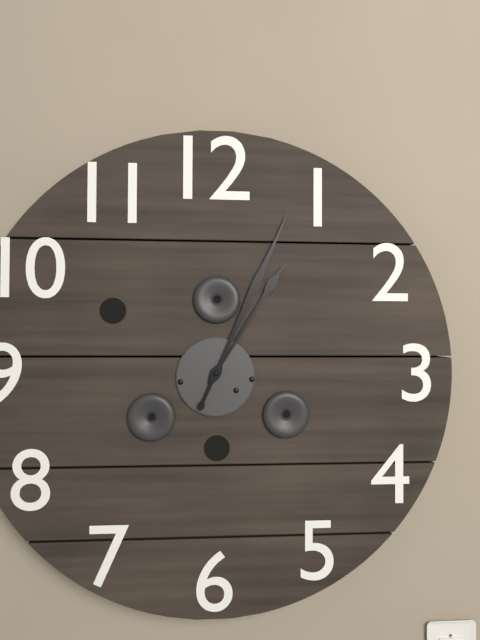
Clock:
1:04
